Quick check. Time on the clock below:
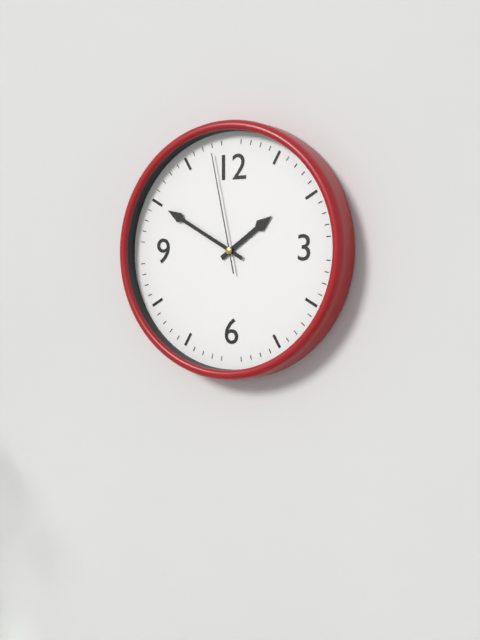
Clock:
1:50:58
